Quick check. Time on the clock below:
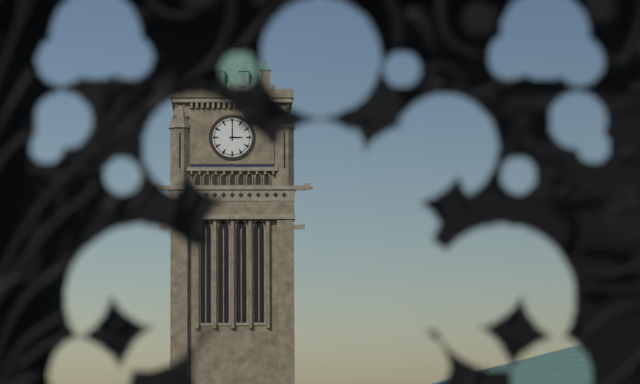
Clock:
3:00
